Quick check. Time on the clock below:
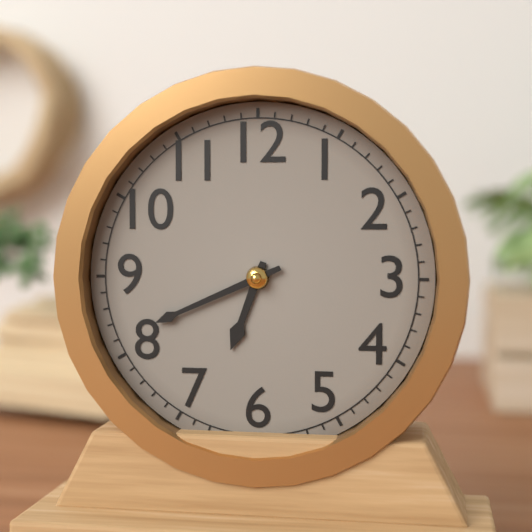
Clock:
6:41
